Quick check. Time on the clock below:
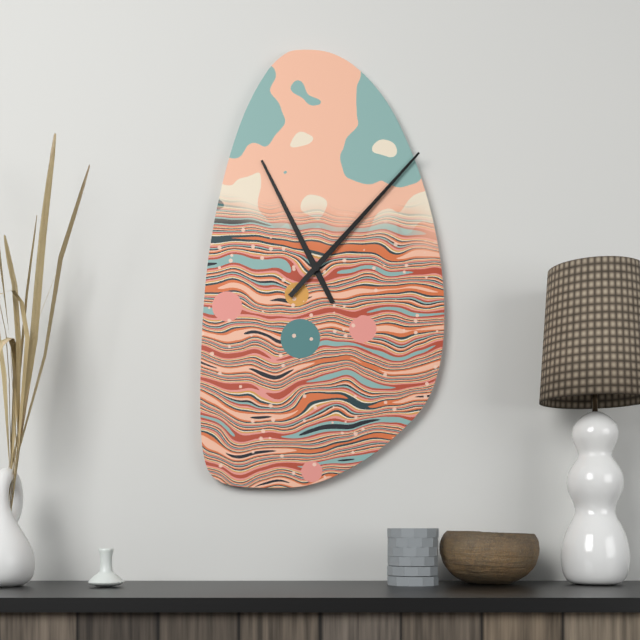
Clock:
11:07
